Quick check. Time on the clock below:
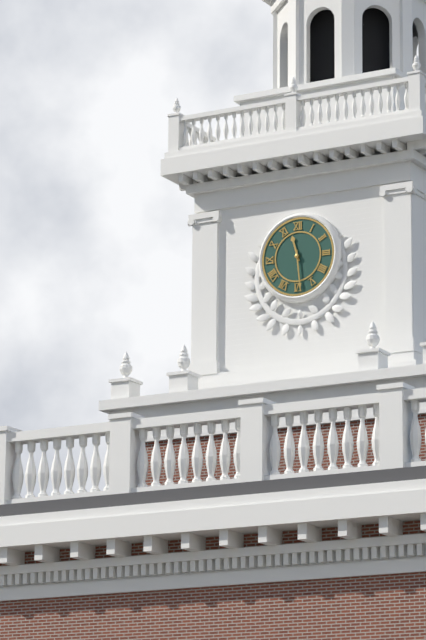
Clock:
11:29
